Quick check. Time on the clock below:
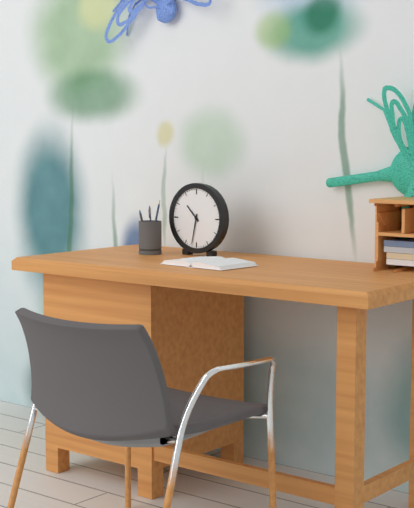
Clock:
10:32
